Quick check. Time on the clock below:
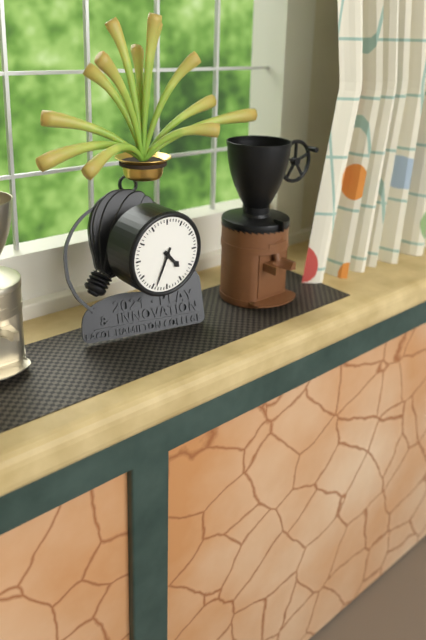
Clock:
4:34
